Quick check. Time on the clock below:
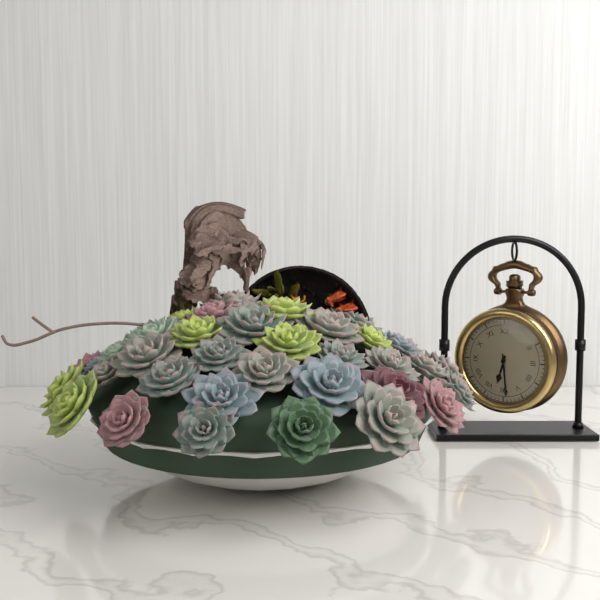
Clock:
6:29
